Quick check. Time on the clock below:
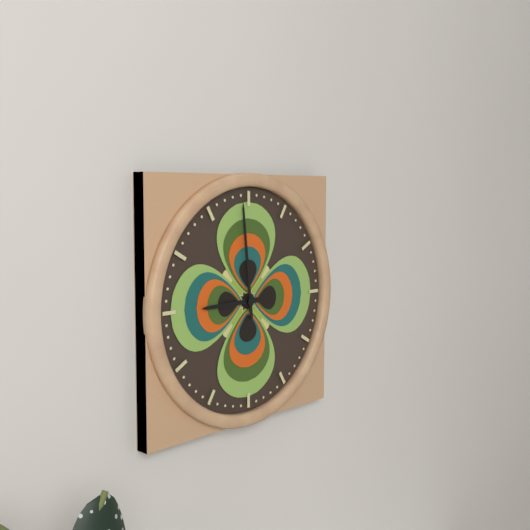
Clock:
8:59
